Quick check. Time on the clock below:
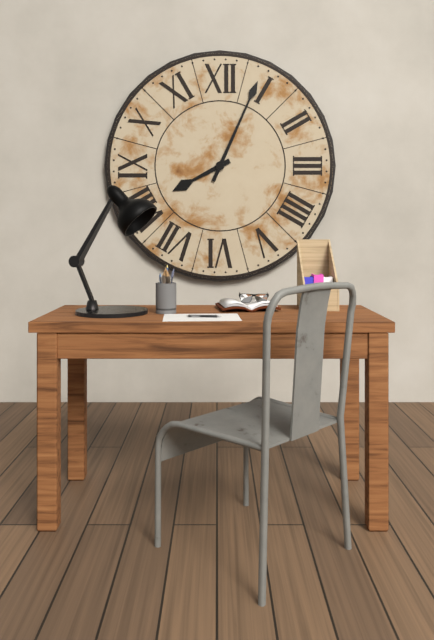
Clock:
8:04
